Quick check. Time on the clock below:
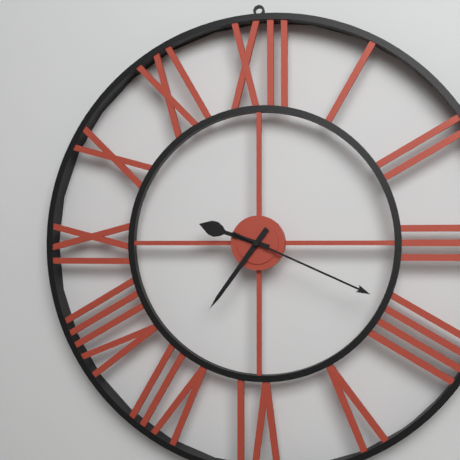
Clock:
9:36:19
